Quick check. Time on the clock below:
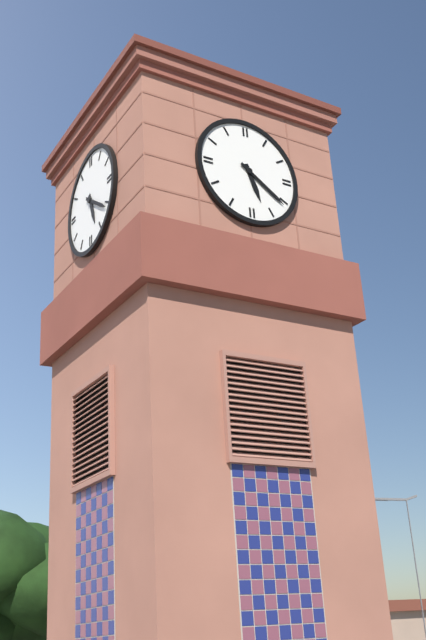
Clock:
5:21
